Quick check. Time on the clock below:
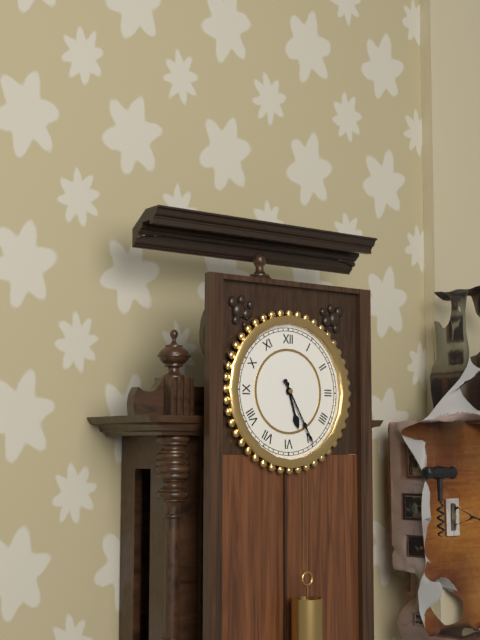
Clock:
5:25
